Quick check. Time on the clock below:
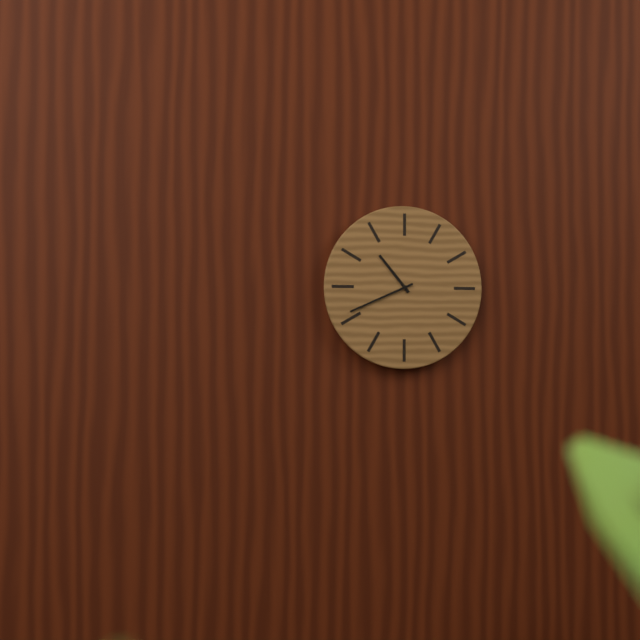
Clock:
10:41
